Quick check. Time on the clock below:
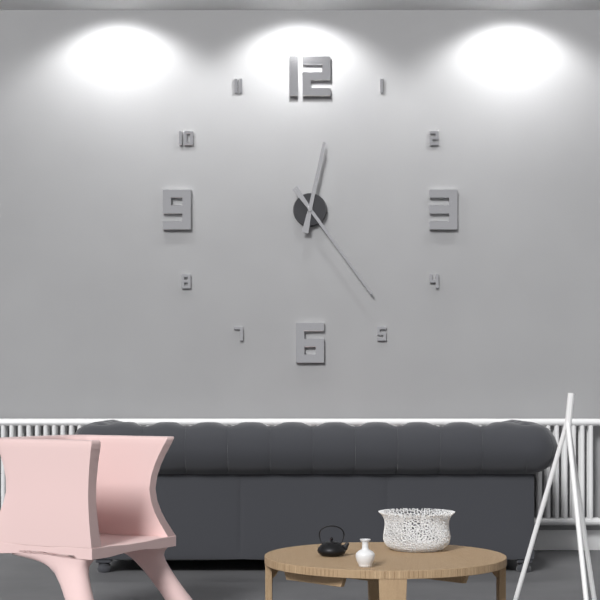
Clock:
12:24
